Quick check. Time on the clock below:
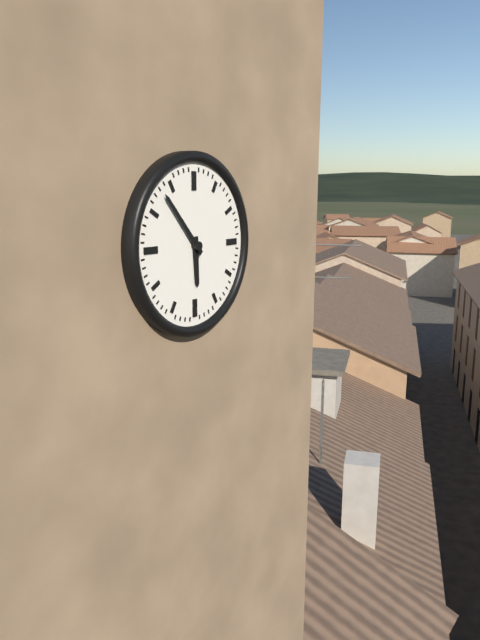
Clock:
5:53
